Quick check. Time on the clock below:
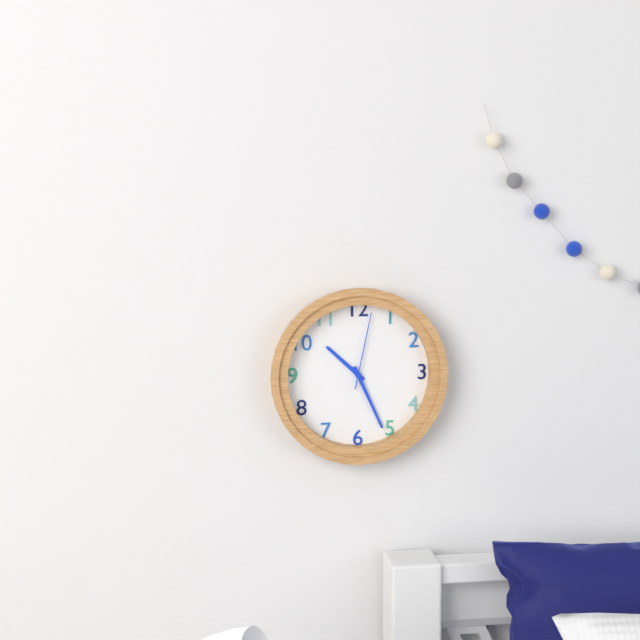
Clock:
10:26:02
